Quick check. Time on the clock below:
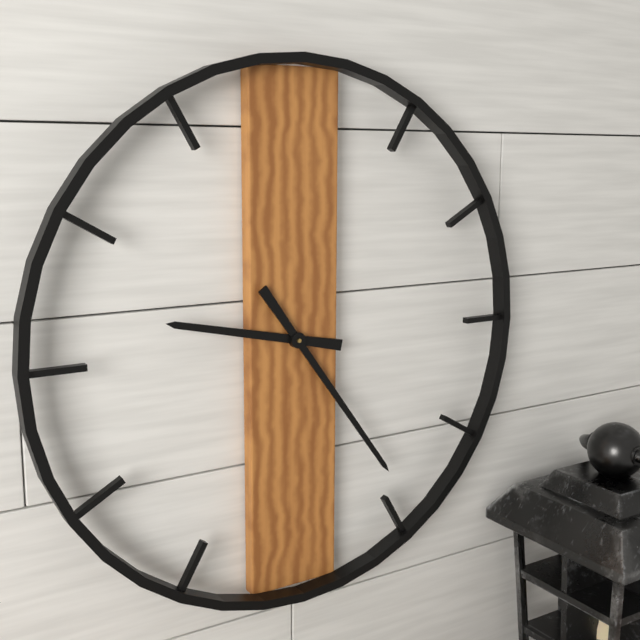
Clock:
9:24
